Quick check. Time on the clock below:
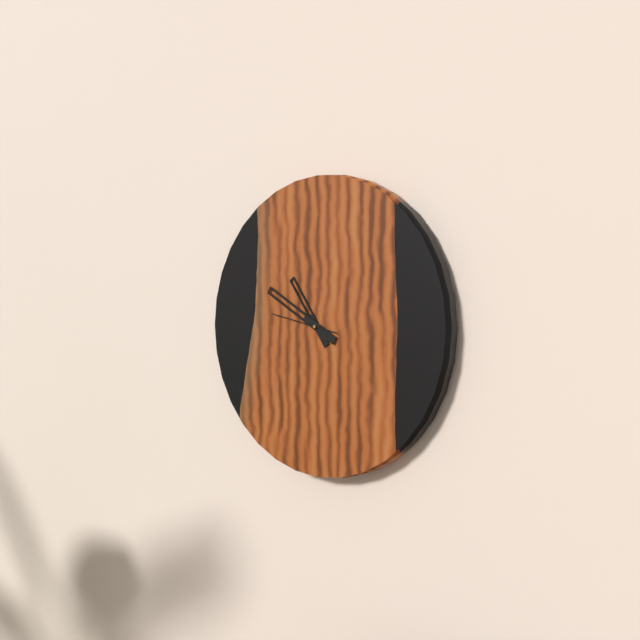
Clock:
10:50:47
